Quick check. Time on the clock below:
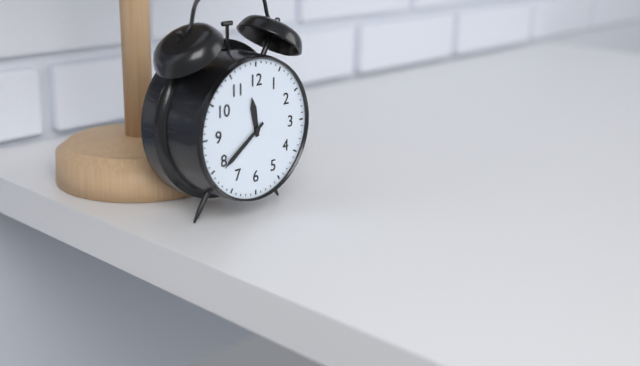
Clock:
11:39
